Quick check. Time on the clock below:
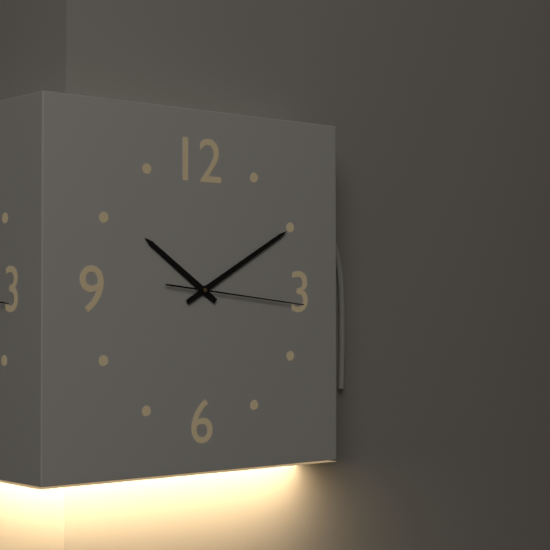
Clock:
10:10:16
